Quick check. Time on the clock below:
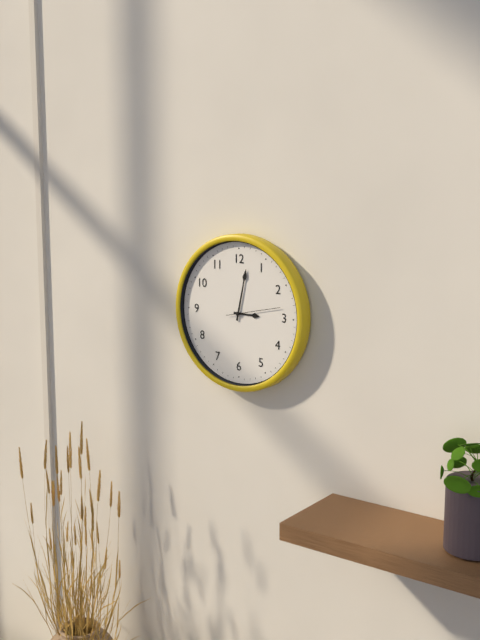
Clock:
3:02:13
